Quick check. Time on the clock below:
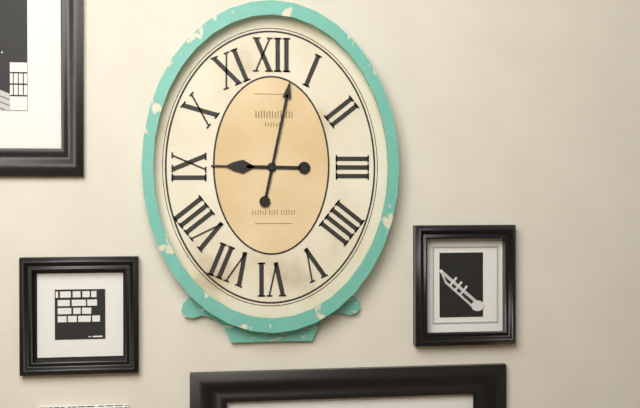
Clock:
9:02
